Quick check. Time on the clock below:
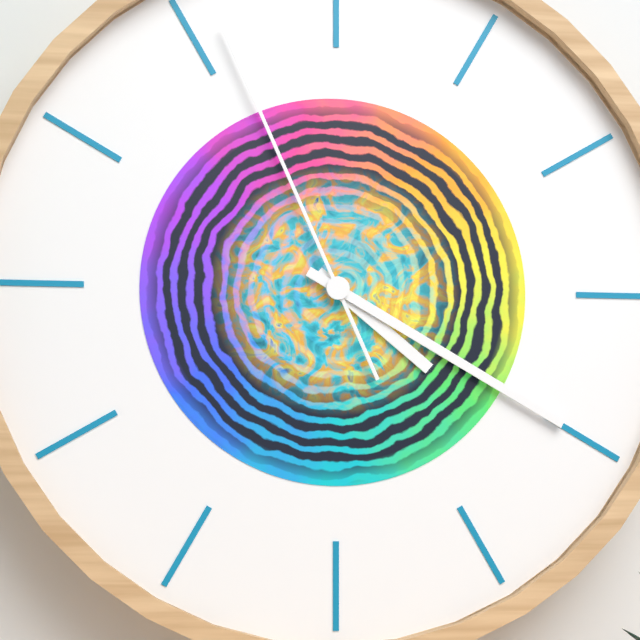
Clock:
4:20:56
